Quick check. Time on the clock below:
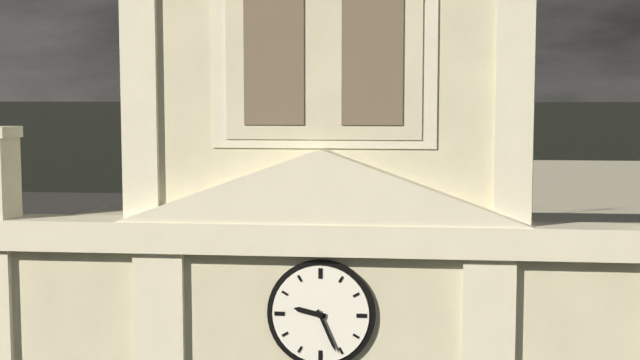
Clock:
9:26
